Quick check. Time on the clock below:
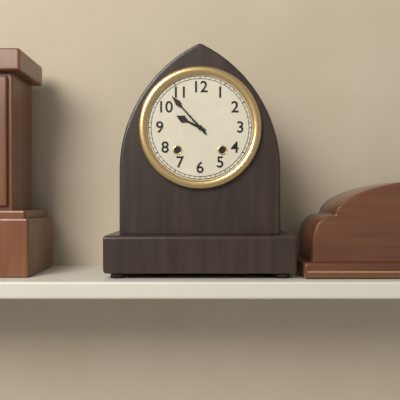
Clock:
9:53
